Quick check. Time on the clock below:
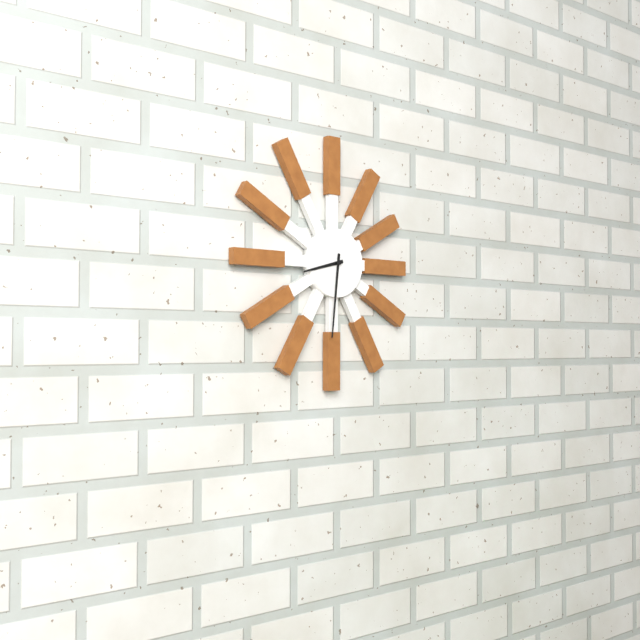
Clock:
8:31
